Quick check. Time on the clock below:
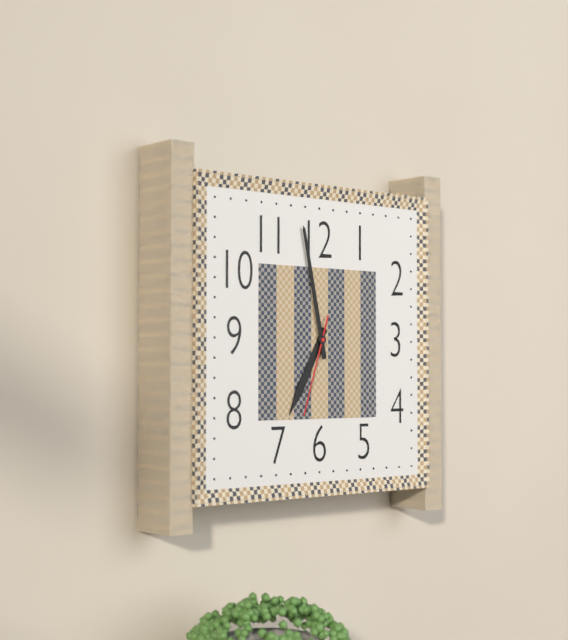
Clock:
6:58:33
